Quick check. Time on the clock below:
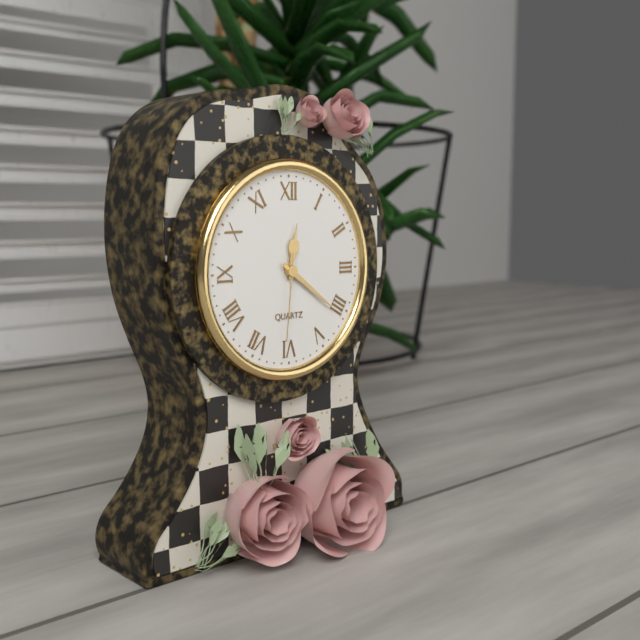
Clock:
12:21:31
